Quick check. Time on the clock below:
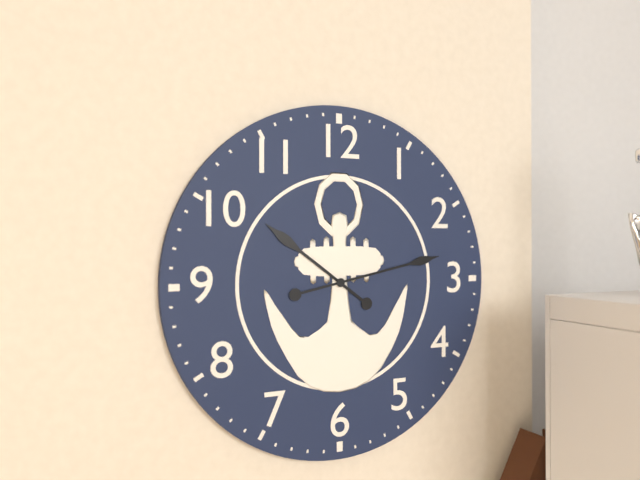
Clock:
10:13
